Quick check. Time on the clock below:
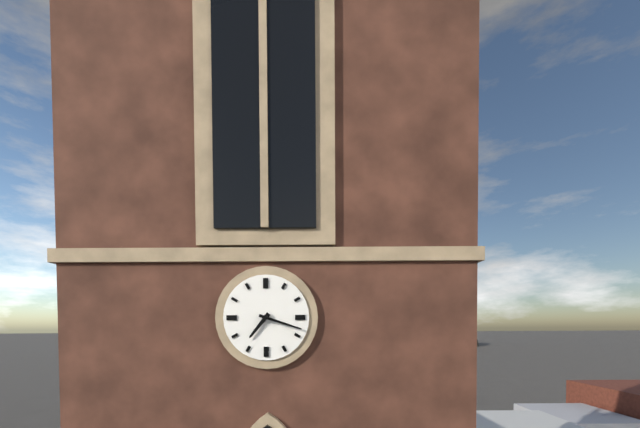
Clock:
7:18
